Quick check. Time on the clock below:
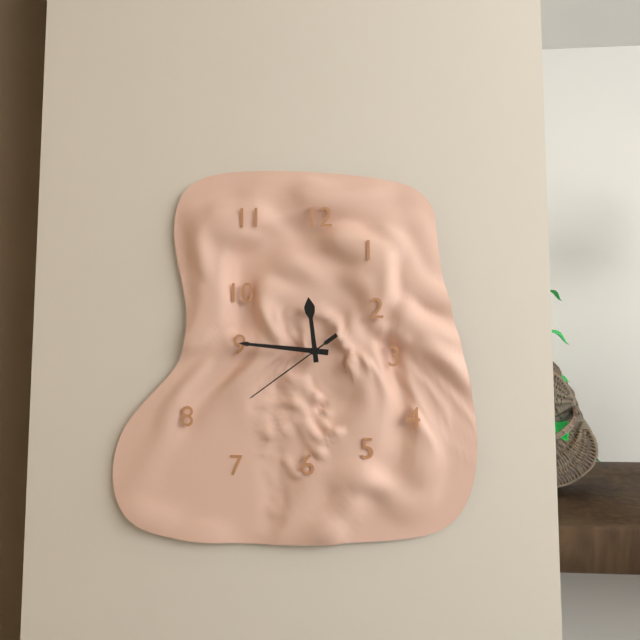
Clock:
11:46:39
